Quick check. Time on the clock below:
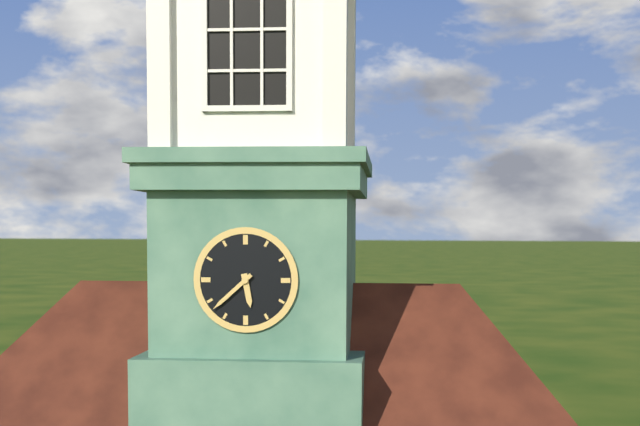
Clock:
5:38
